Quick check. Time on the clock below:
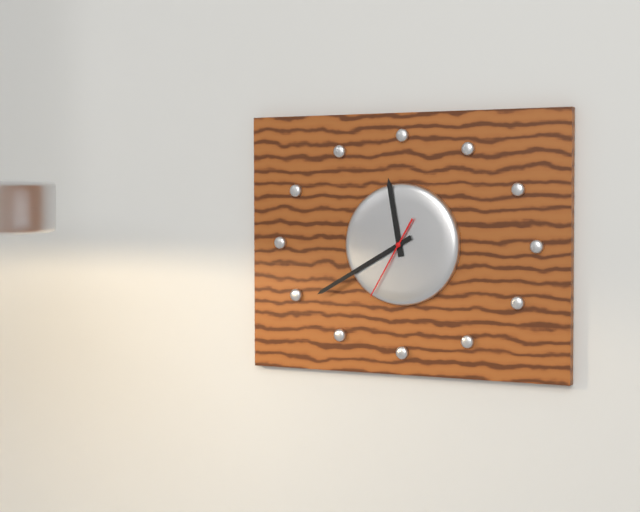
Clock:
11:40:35
